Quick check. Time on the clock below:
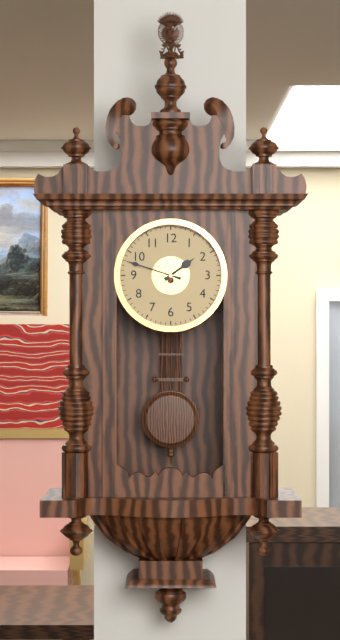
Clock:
1:48
